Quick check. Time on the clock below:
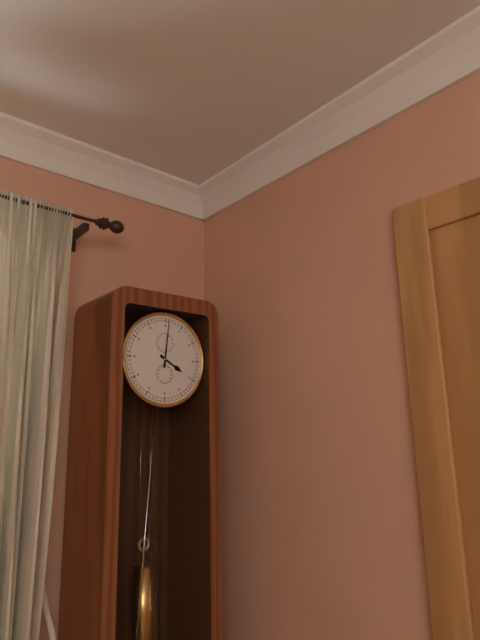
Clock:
4:01
